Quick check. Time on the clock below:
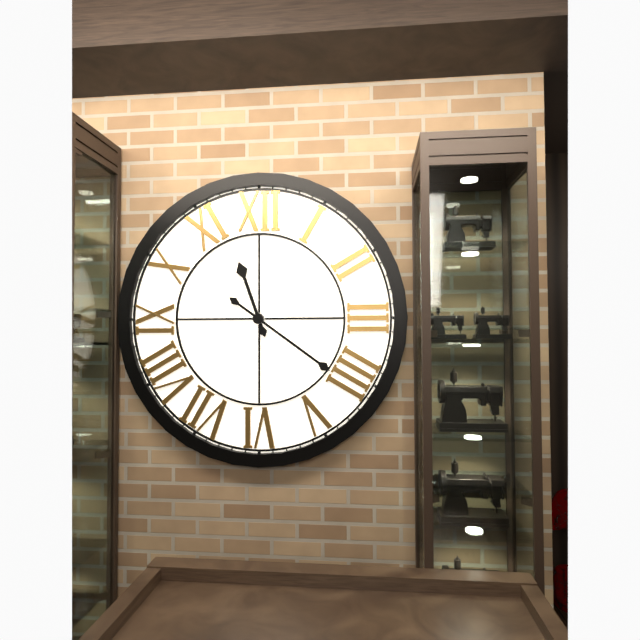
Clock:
11:21
